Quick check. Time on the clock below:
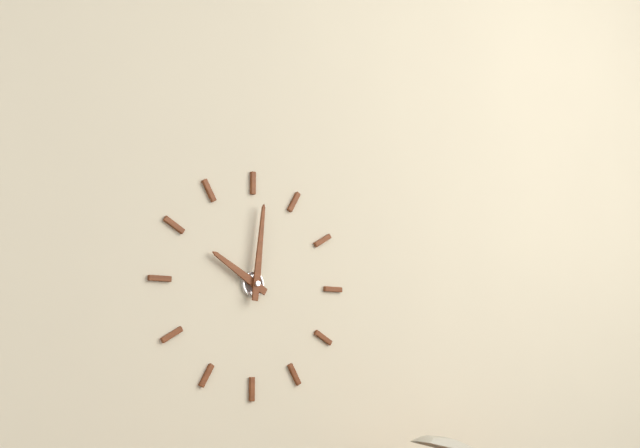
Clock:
10:01
